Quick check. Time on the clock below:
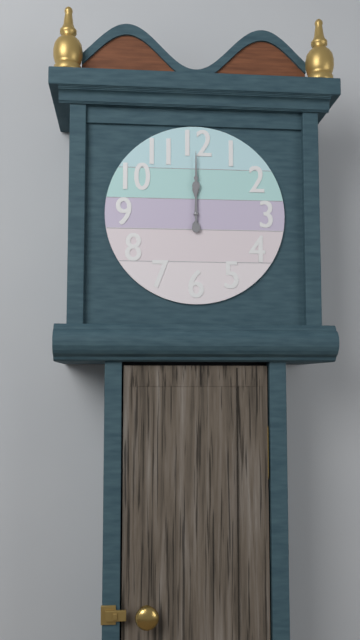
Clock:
12:00
